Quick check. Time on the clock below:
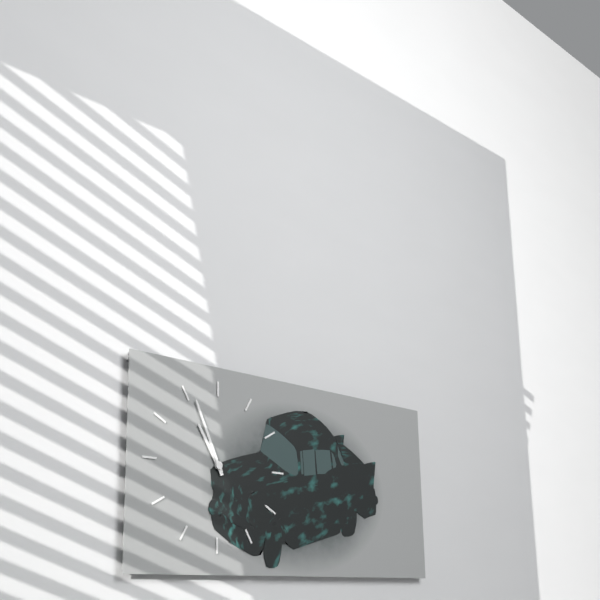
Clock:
10:56
